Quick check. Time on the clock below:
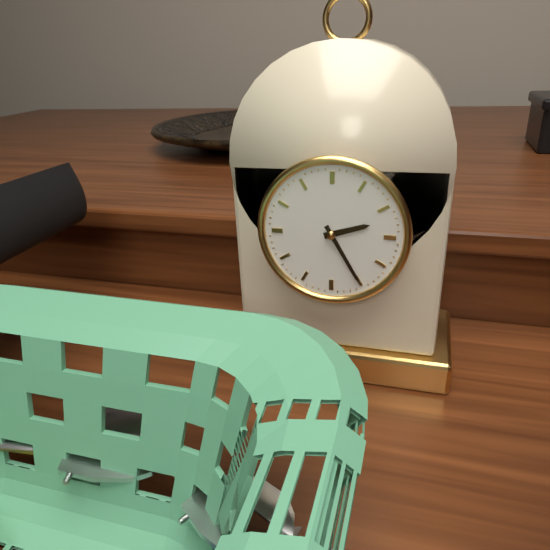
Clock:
2:25
